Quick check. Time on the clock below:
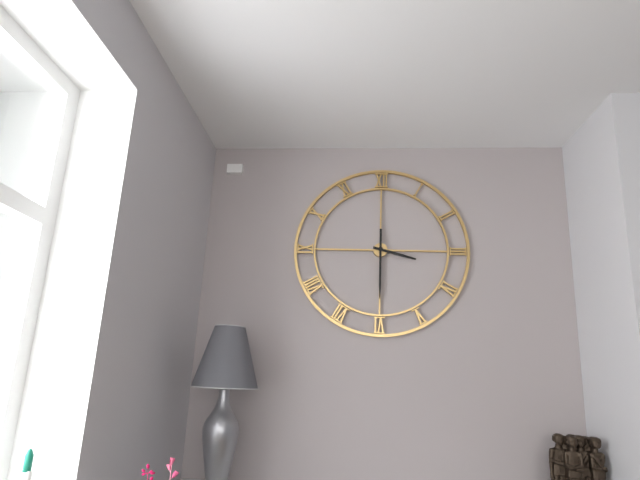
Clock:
3:30
